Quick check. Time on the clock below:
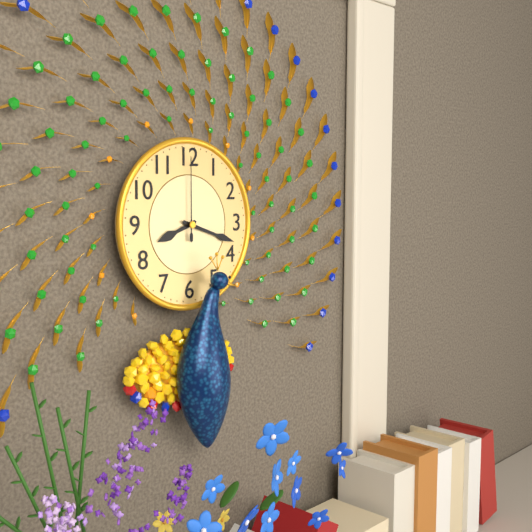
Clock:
8:18:00
